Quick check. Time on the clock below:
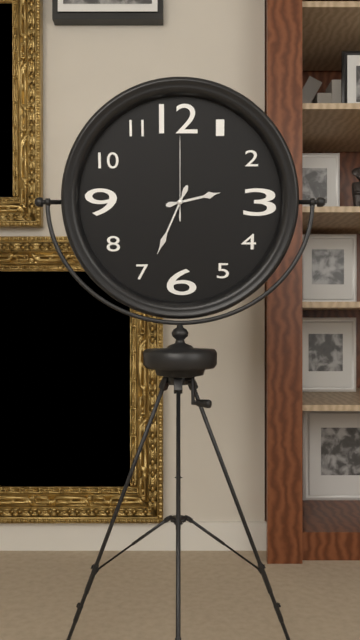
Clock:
2:34:00
